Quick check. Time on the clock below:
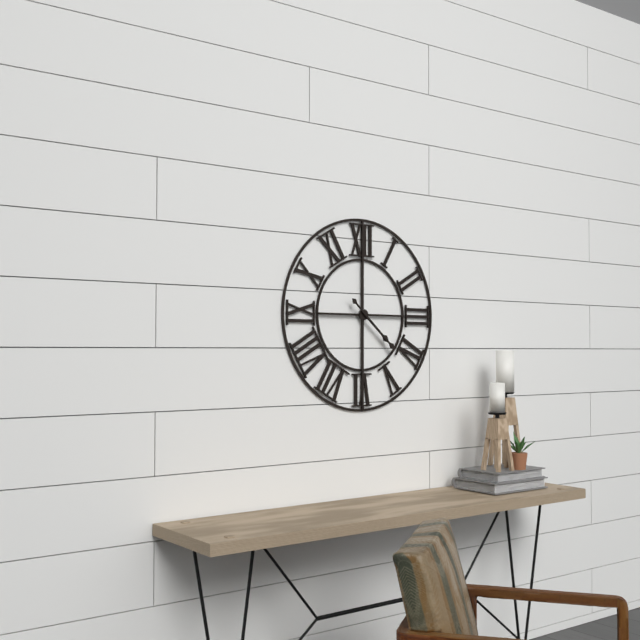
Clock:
4:22
